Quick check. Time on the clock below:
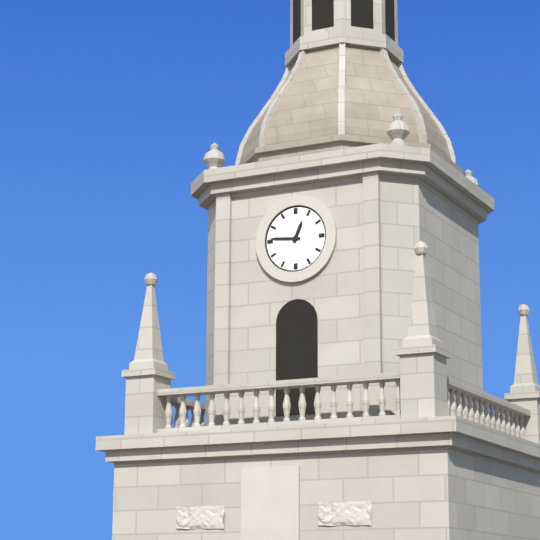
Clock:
12:46
